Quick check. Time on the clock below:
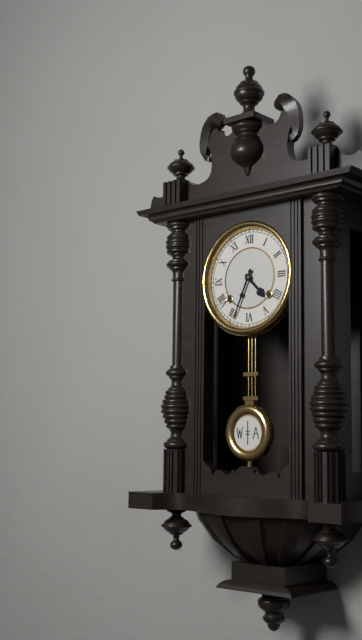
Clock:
4:34
